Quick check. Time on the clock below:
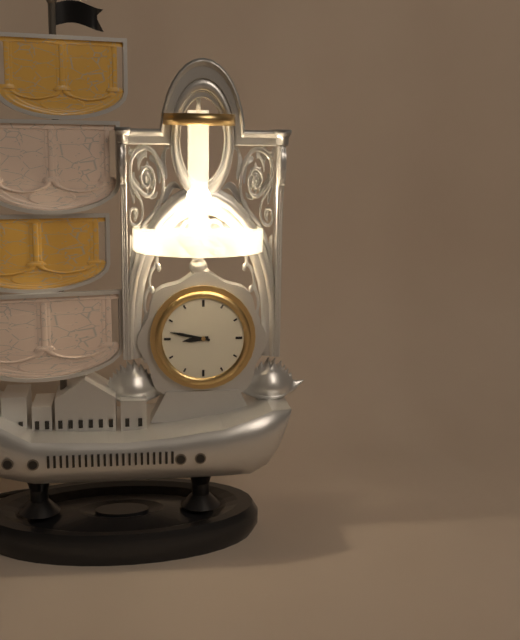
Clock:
8:47
